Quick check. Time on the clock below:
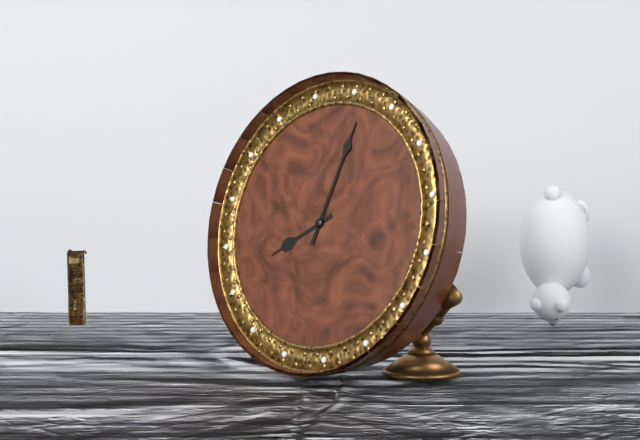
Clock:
8:03
